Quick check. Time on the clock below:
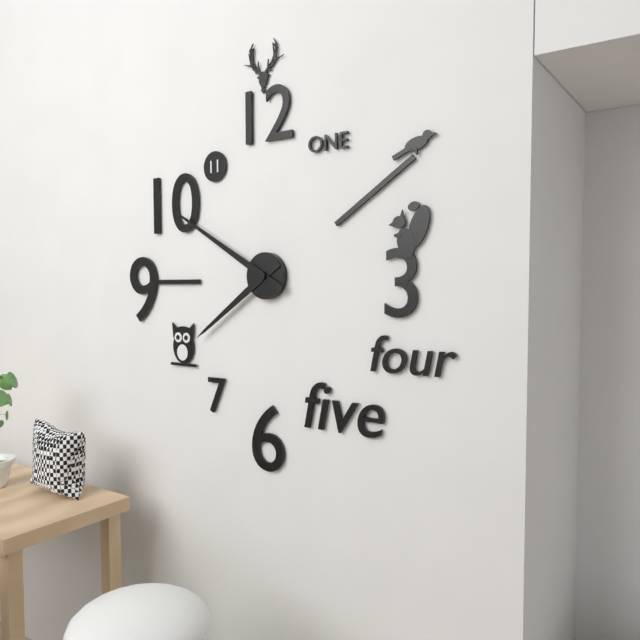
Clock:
7:50
